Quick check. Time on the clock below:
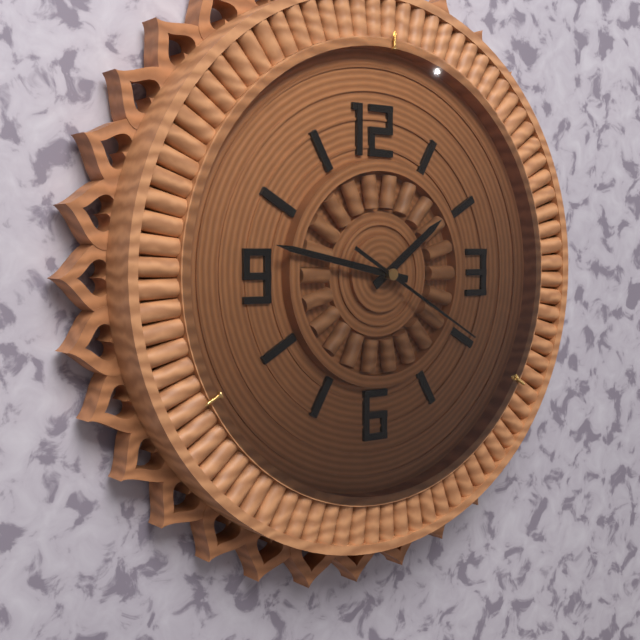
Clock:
1:47:20
